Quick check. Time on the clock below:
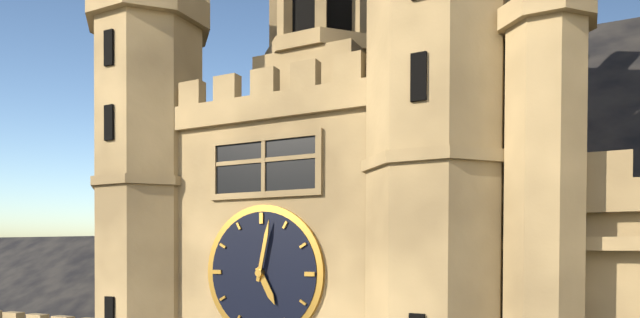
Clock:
5:02
